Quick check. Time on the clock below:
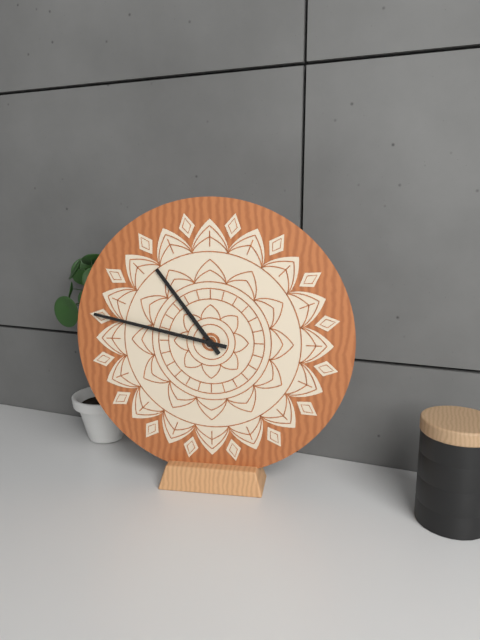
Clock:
10:47
